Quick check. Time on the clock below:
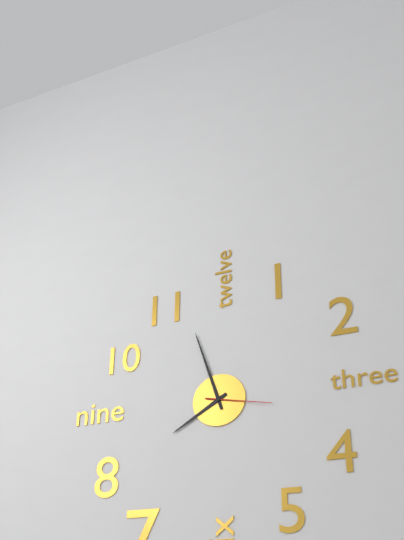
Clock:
7:57:17
